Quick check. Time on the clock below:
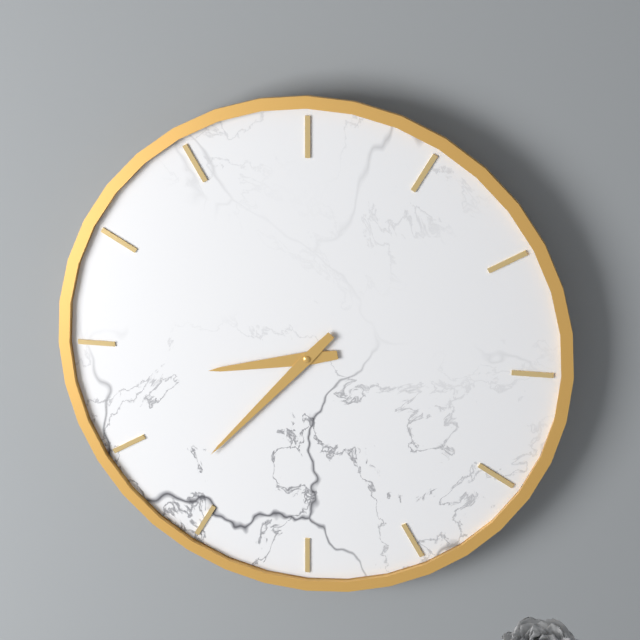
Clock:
8:37
